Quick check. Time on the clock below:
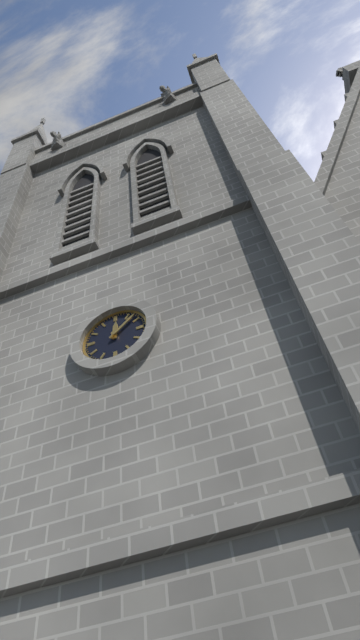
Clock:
12:08
